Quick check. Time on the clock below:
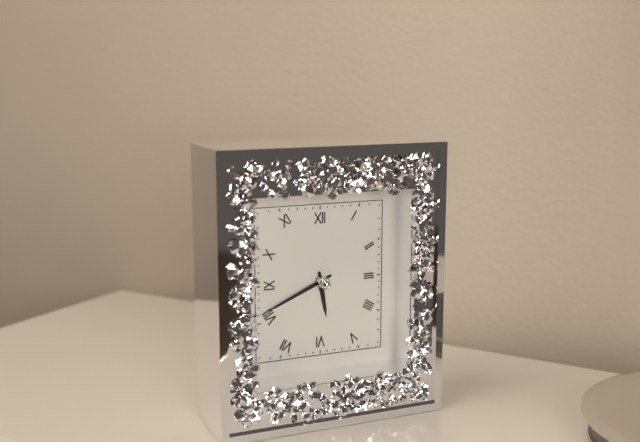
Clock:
5:41
